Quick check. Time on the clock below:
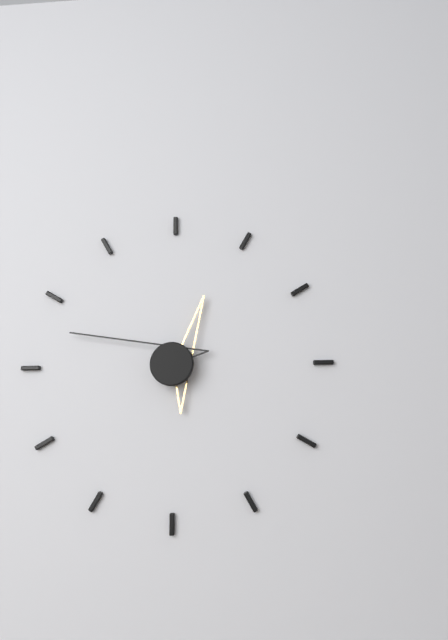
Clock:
12:48
